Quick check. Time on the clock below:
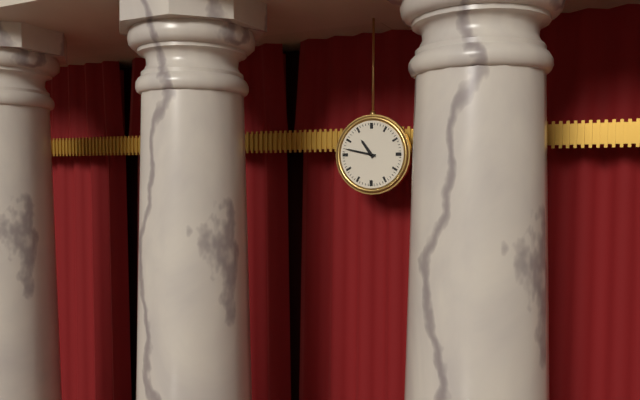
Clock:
10:47
